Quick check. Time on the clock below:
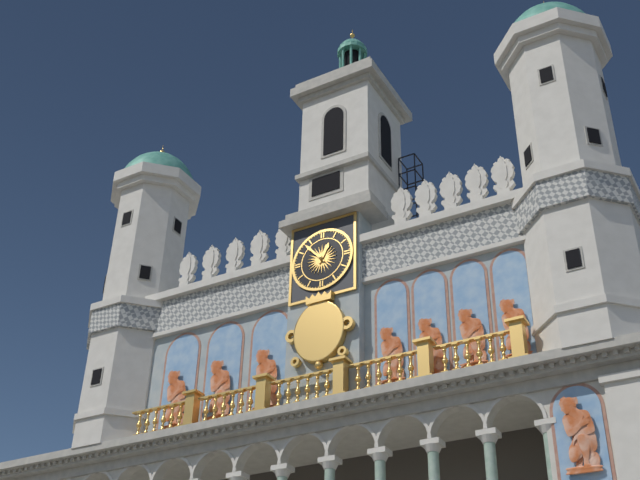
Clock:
12:53
